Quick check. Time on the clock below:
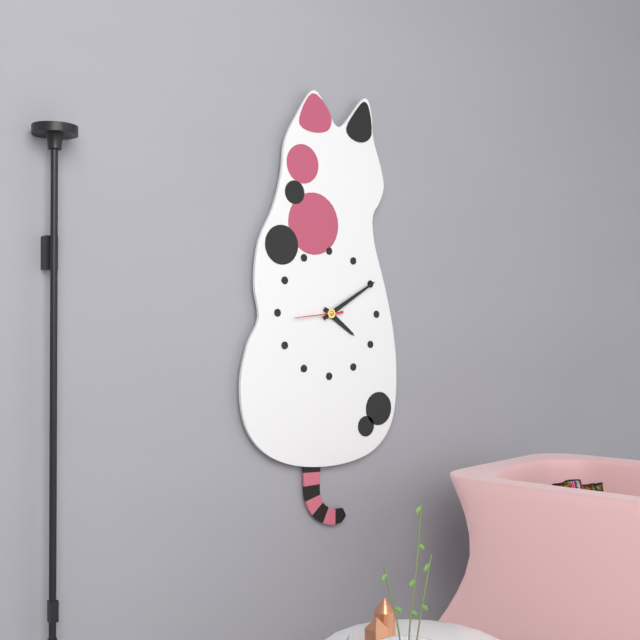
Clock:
4:10
